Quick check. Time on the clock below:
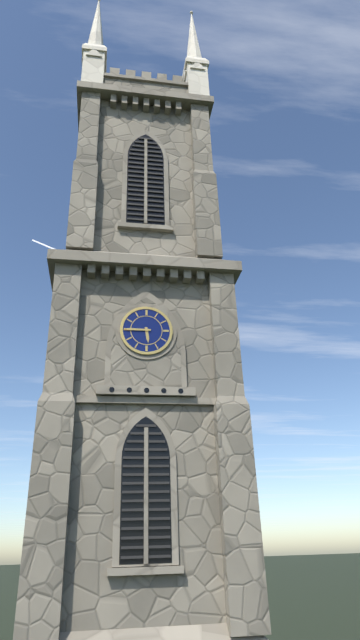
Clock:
5:45
